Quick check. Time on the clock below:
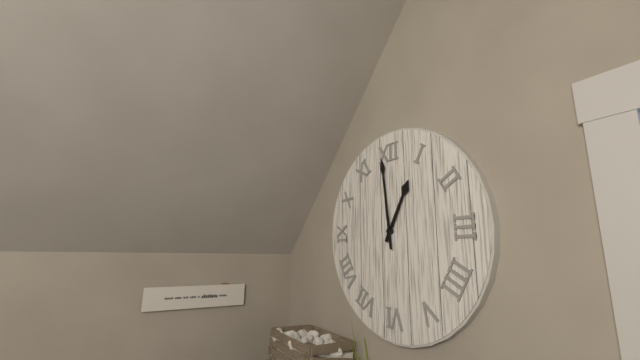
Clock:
12:59
